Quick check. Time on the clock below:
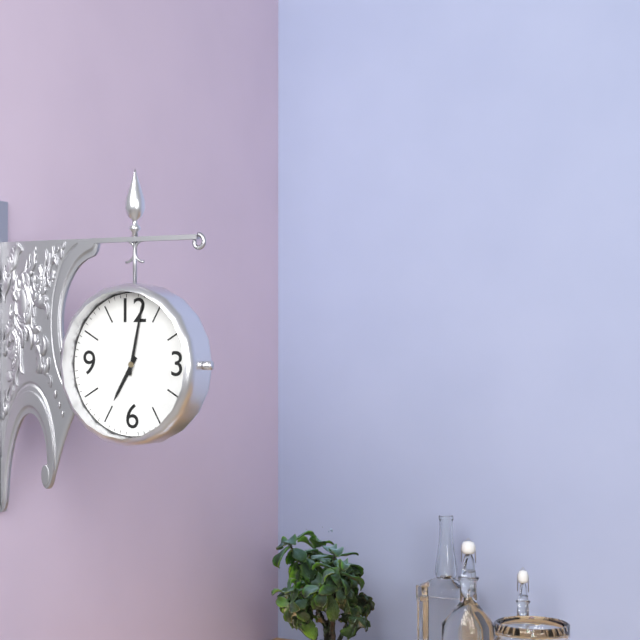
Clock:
7:02
